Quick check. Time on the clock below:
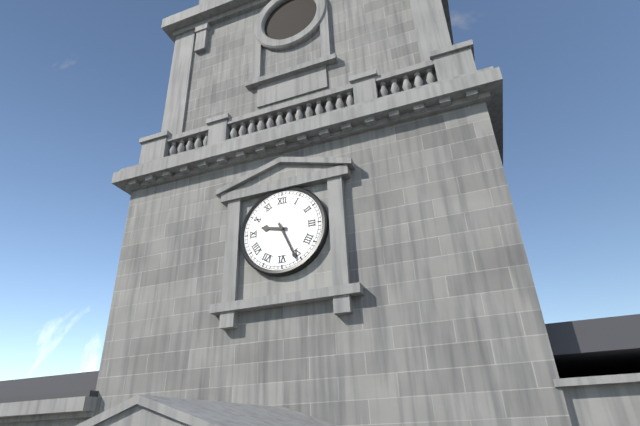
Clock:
9:26
